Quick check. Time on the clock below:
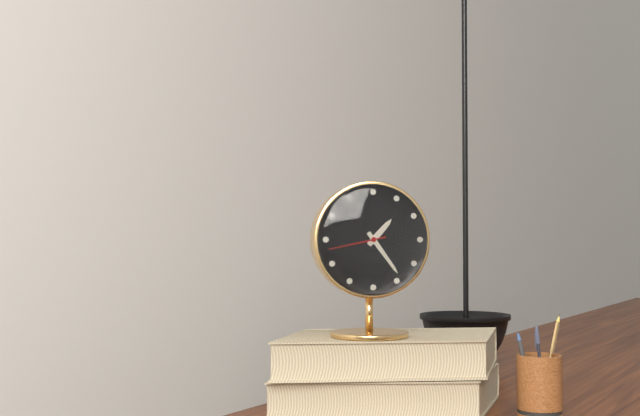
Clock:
1:24:43
